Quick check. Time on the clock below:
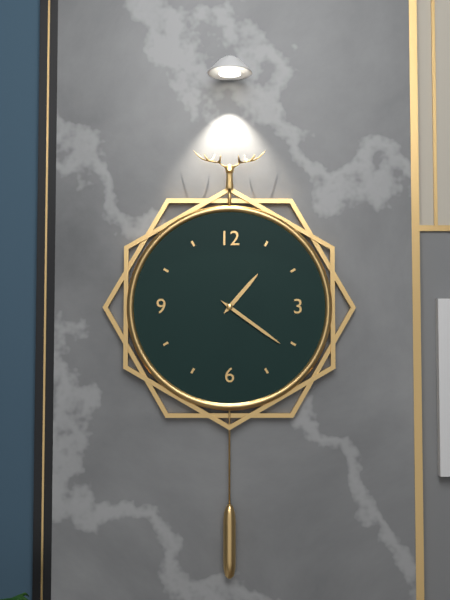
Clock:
1:21
